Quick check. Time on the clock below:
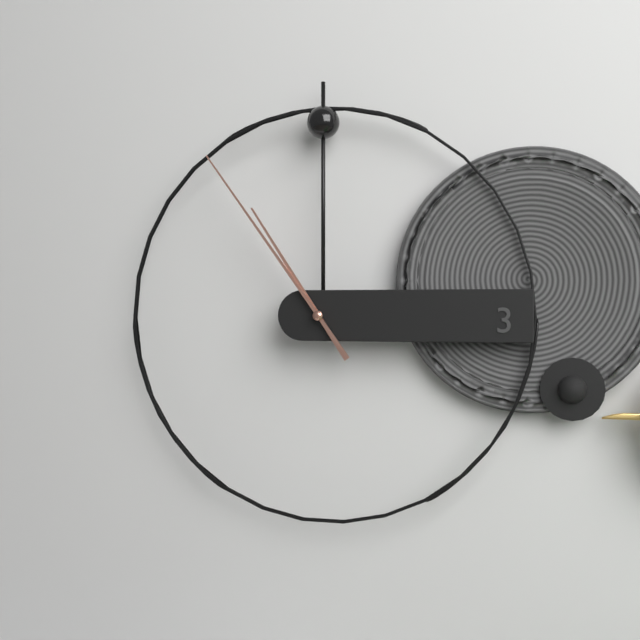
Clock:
10:54
